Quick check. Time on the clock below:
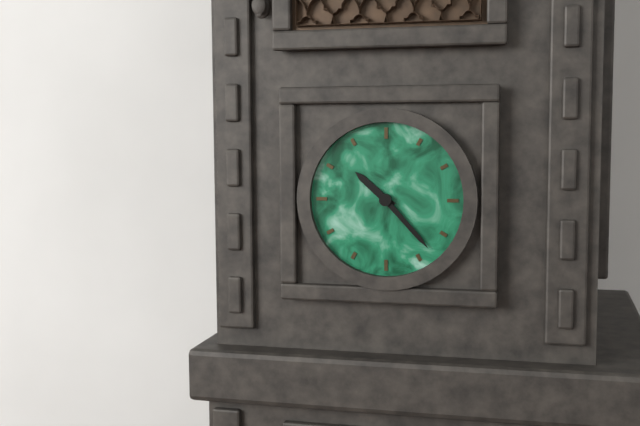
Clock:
10:23
